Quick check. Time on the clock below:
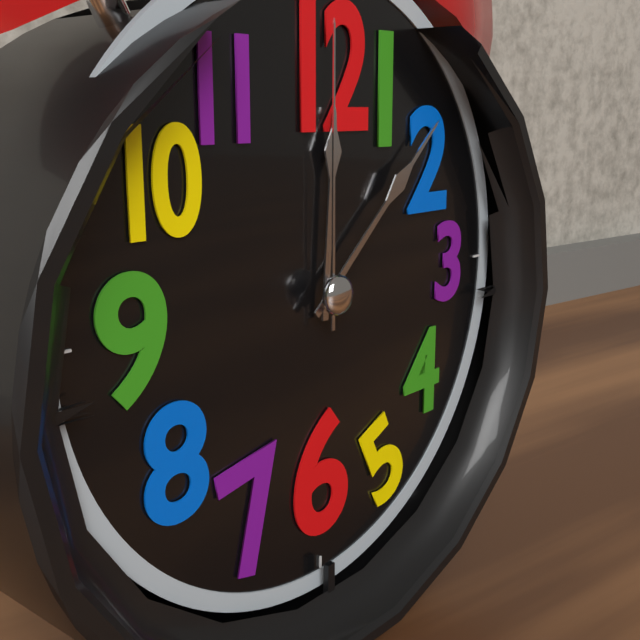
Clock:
12:08:00
